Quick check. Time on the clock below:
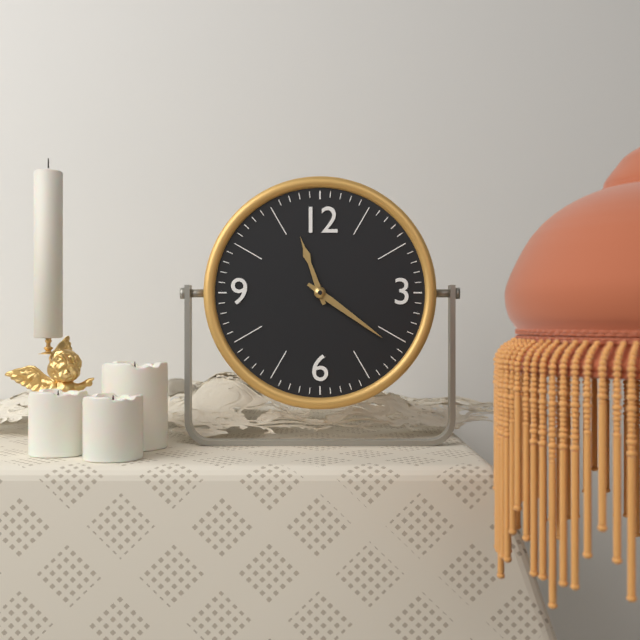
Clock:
11:21
